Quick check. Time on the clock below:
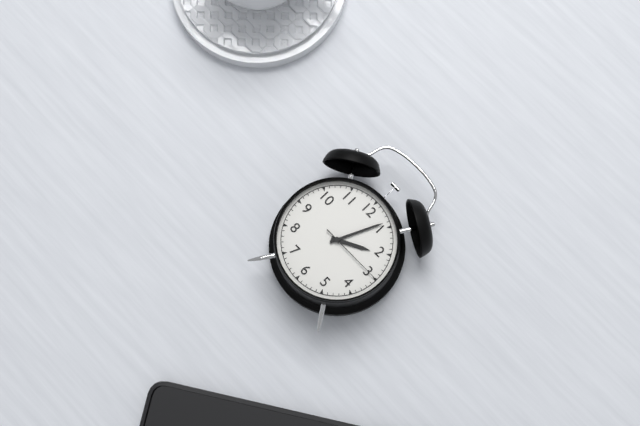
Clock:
2:04:15
